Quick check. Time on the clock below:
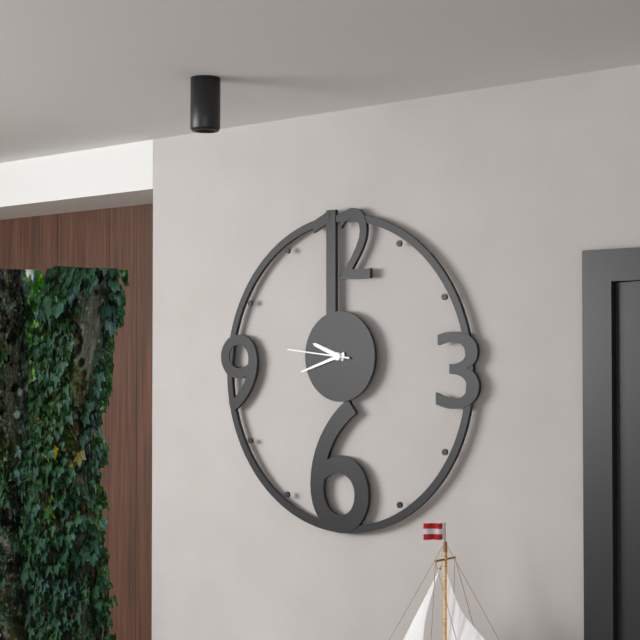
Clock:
9:42:46
